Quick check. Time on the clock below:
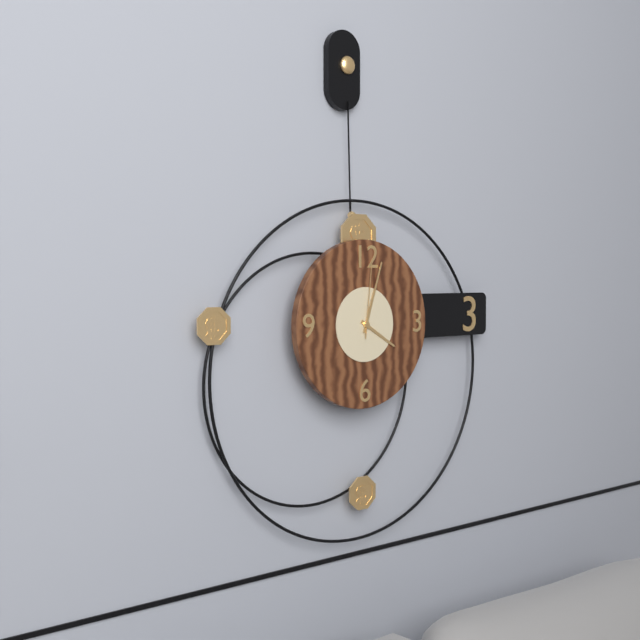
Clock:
4:03:01
